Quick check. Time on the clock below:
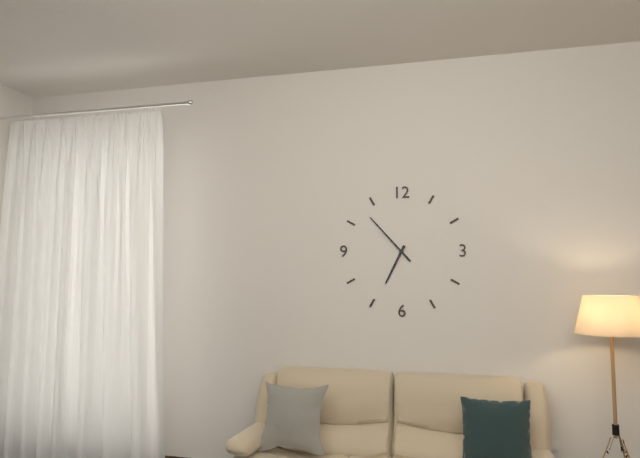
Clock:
6:53
